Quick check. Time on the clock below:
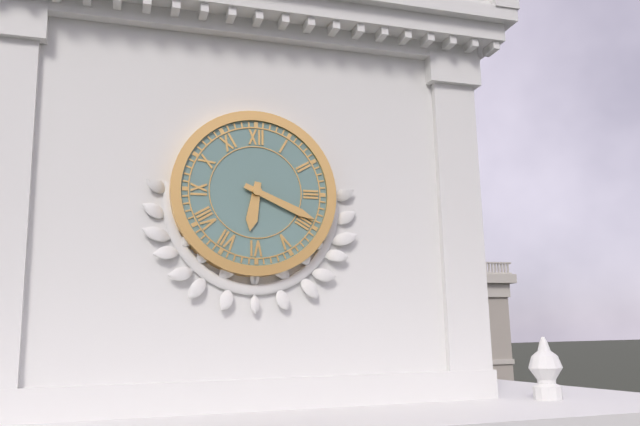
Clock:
6:19
